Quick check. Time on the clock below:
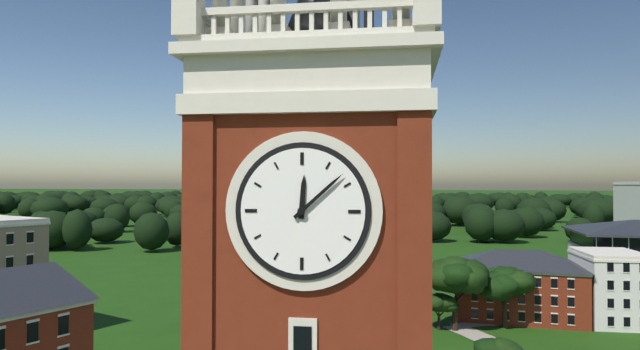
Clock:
12:08
